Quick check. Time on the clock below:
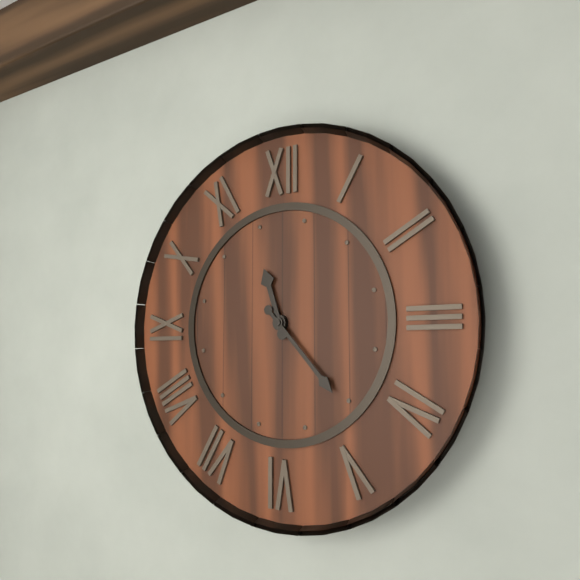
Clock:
11:23
